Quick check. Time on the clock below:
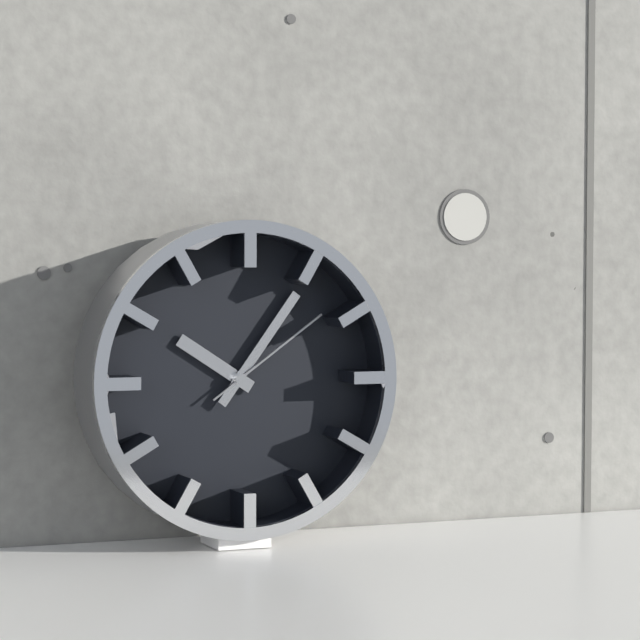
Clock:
10:06:09
